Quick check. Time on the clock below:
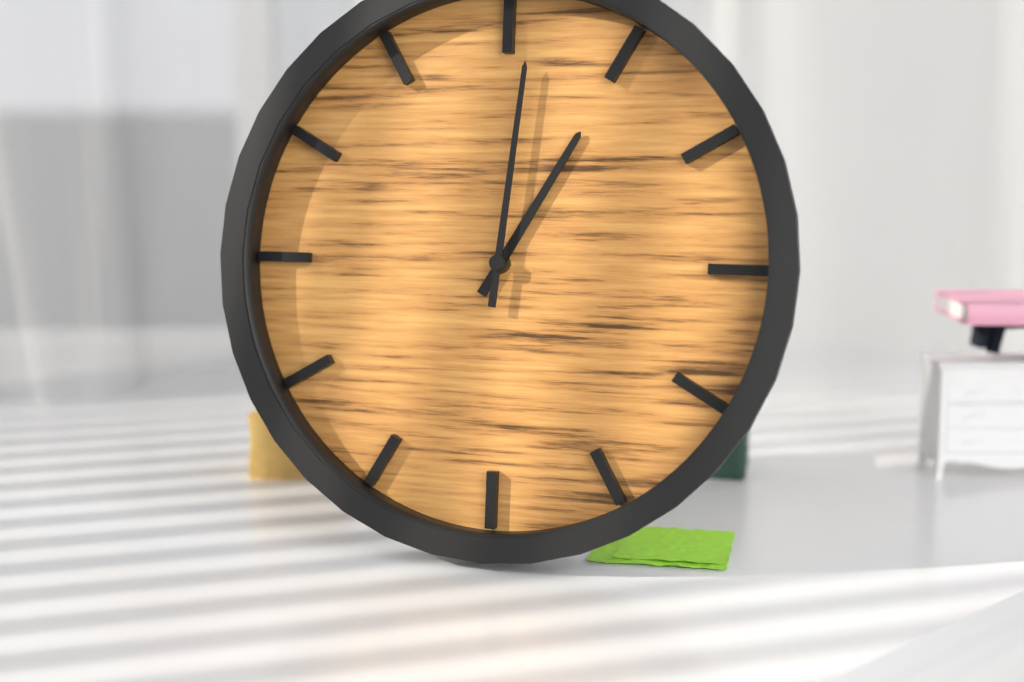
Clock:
1:01
